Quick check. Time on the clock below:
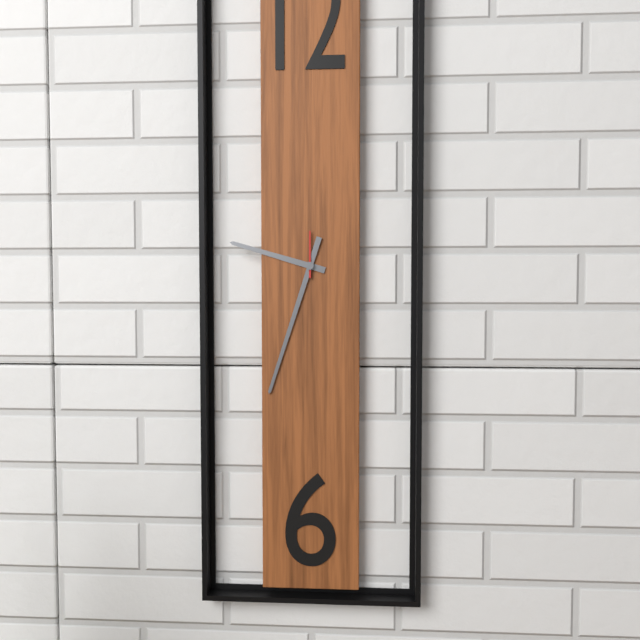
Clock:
9:33
